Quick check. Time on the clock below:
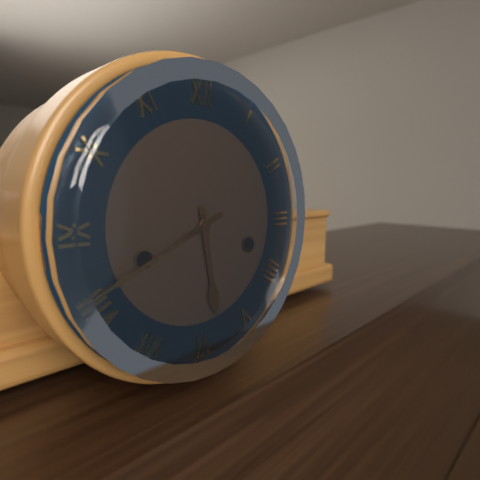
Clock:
5:41
